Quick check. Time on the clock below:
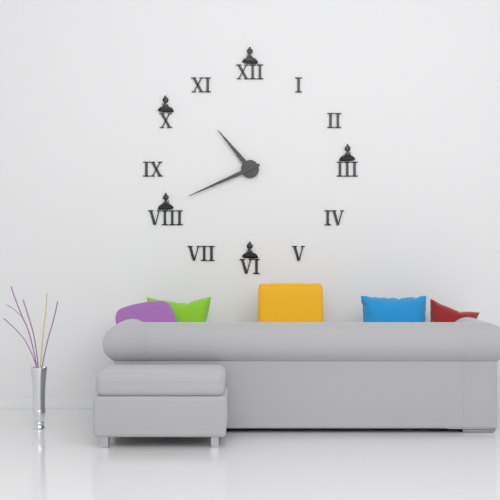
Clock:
10:41
